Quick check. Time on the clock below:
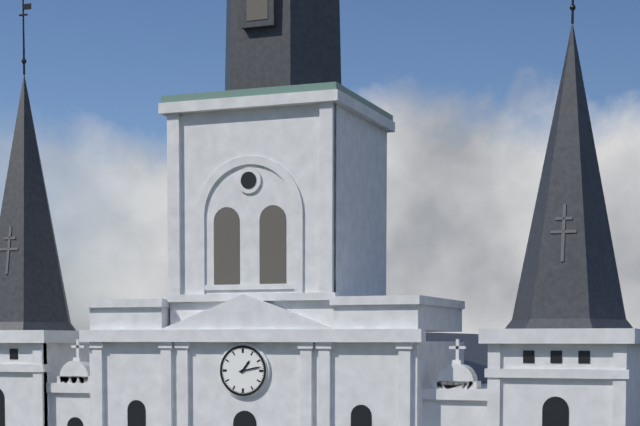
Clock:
1:13
